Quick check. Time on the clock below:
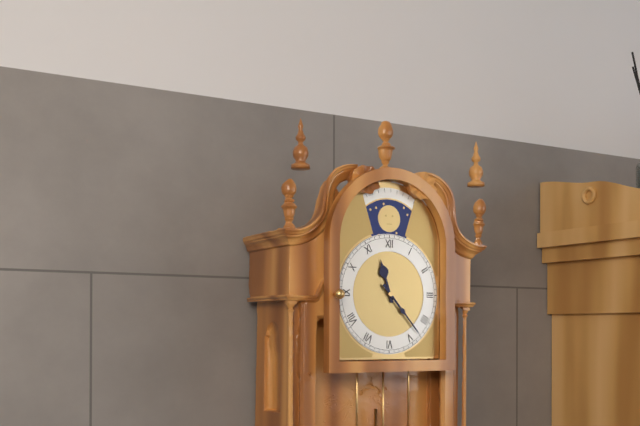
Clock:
11:23
